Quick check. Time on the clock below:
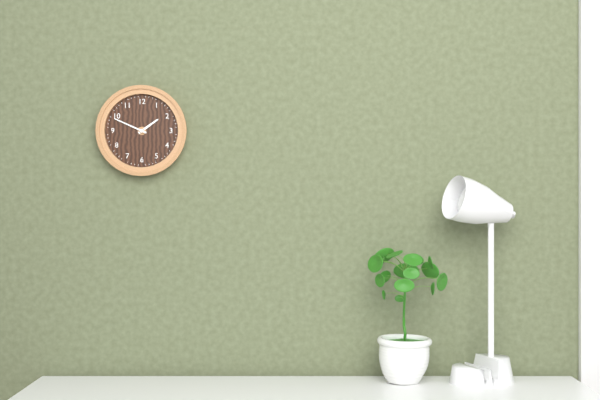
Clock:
1:49
